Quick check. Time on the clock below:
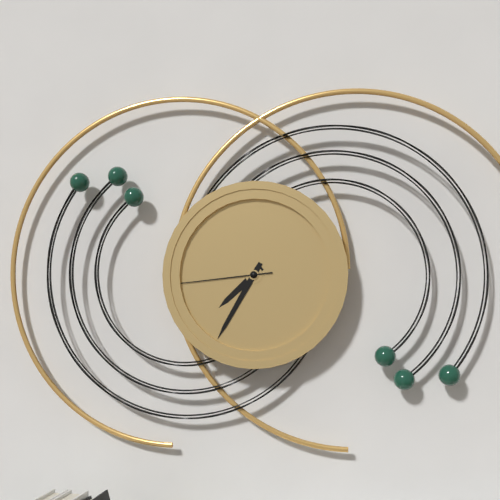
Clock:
7:35:44
